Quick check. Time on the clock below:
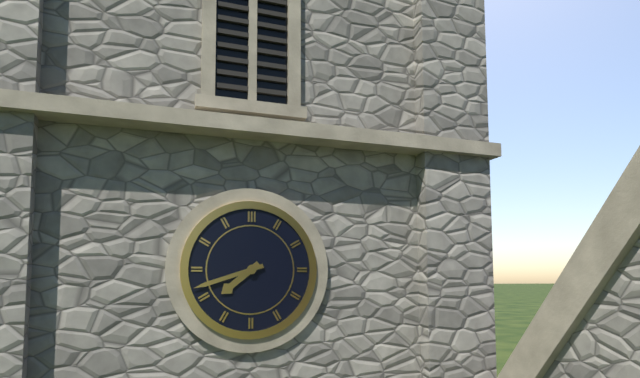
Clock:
7:42
